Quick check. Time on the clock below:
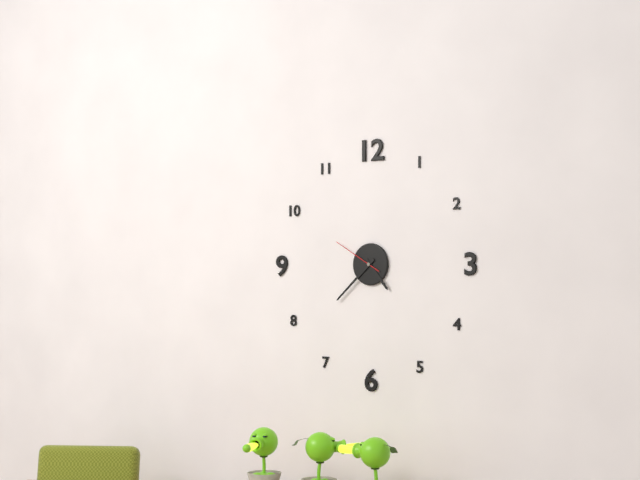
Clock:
4:38
